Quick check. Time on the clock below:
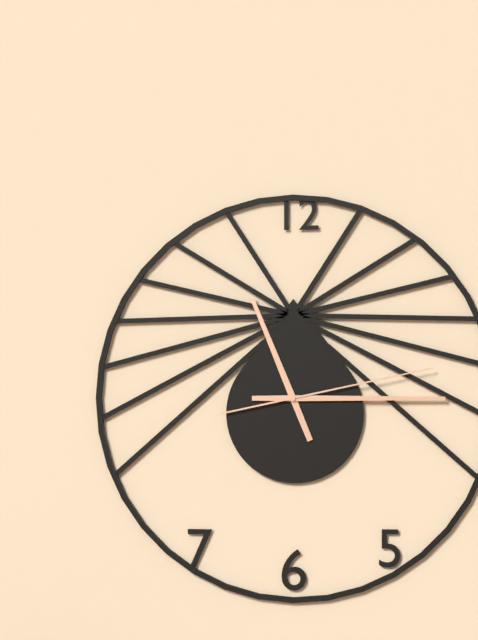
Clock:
11:15:13
